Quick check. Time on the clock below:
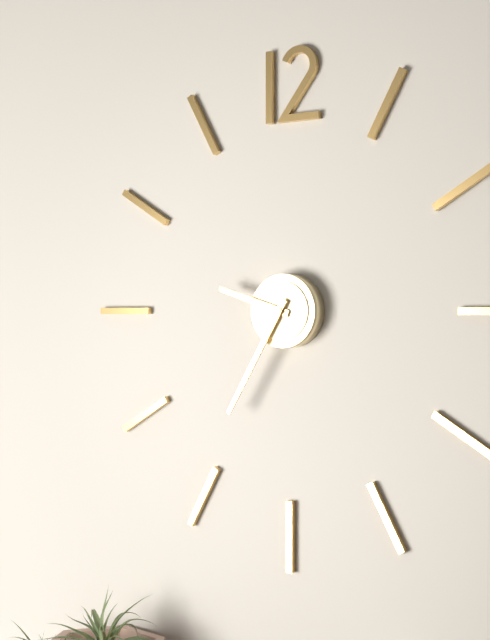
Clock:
9:35
